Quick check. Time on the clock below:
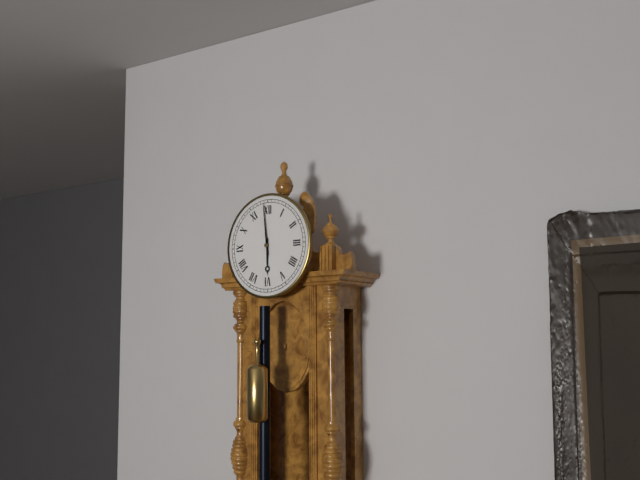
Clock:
5:59
